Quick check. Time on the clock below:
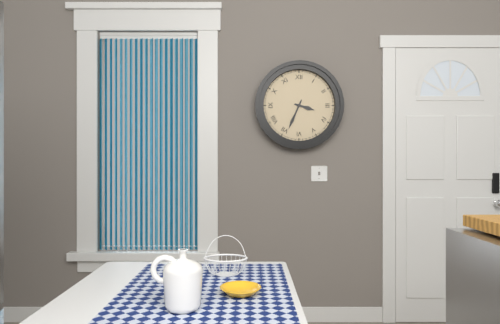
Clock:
3:34
